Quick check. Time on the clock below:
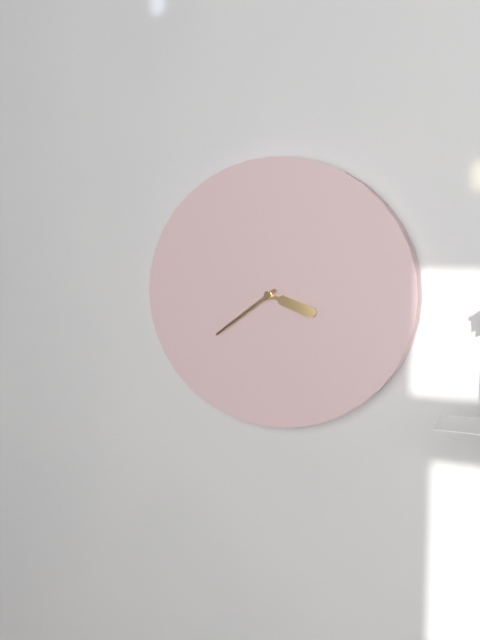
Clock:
3:39
